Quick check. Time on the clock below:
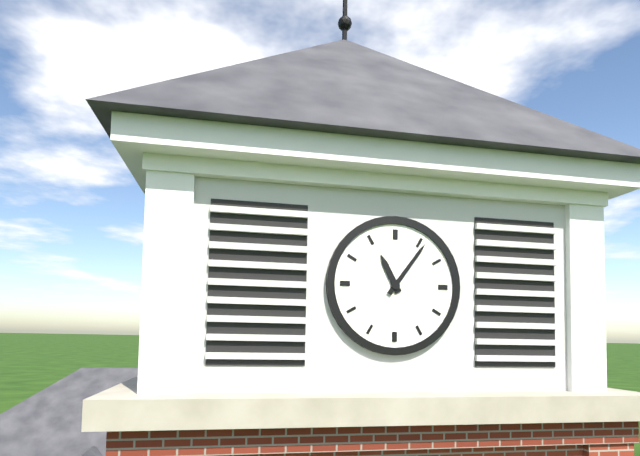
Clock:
11:06
